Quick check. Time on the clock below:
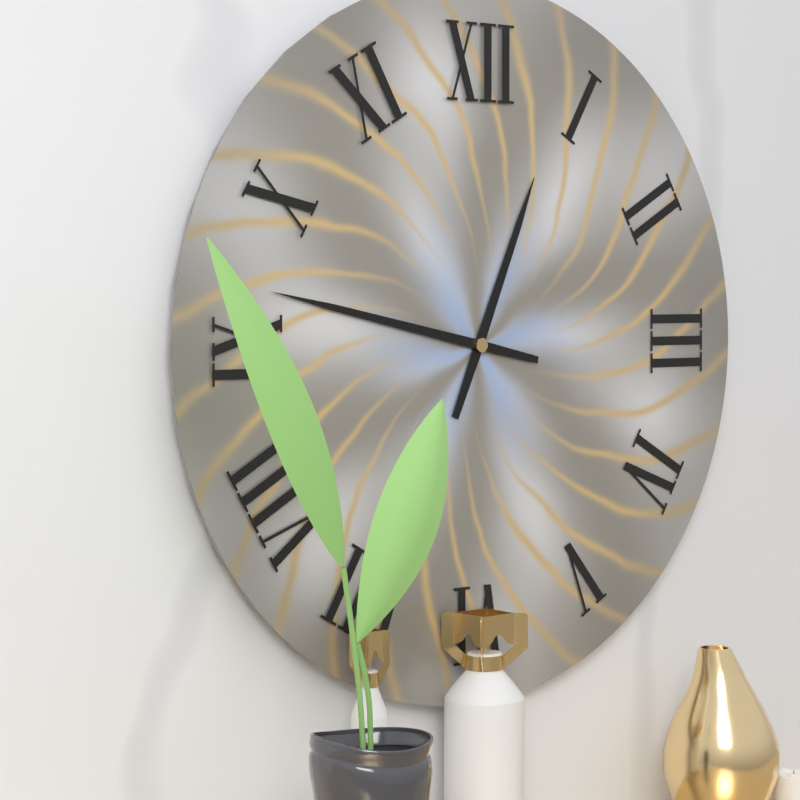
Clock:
12:47
